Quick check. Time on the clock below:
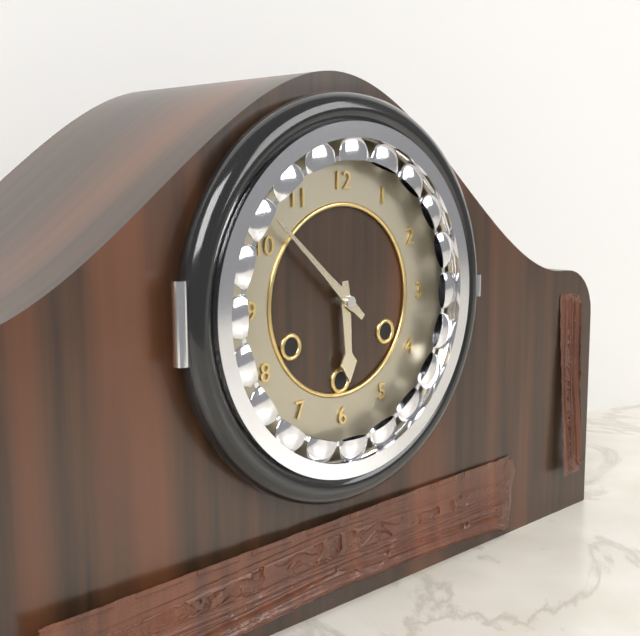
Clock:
5:52
